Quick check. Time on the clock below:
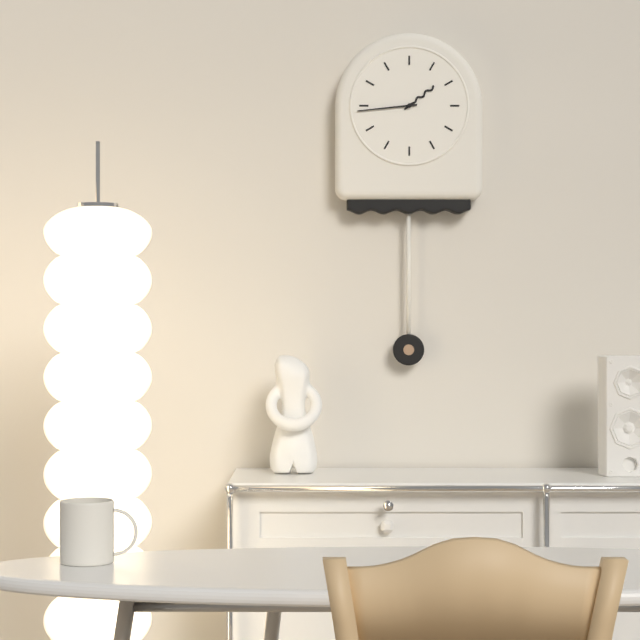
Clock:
1:44
